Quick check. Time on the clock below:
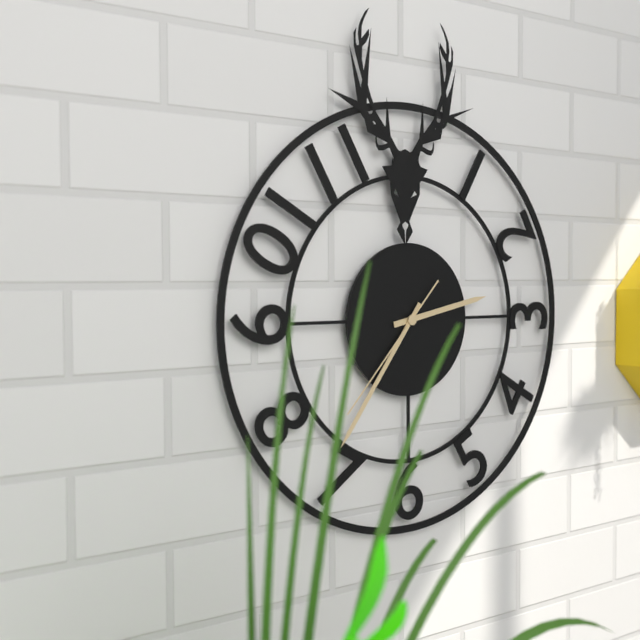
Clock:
2:36:37
